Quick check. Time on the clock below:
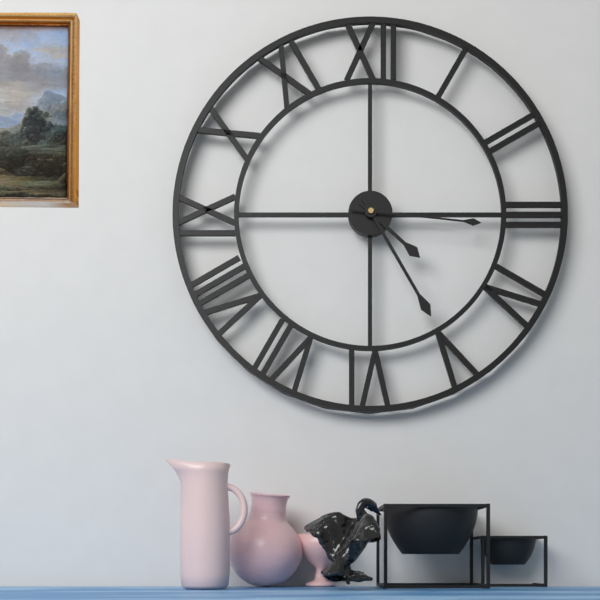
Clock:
4:25:16
